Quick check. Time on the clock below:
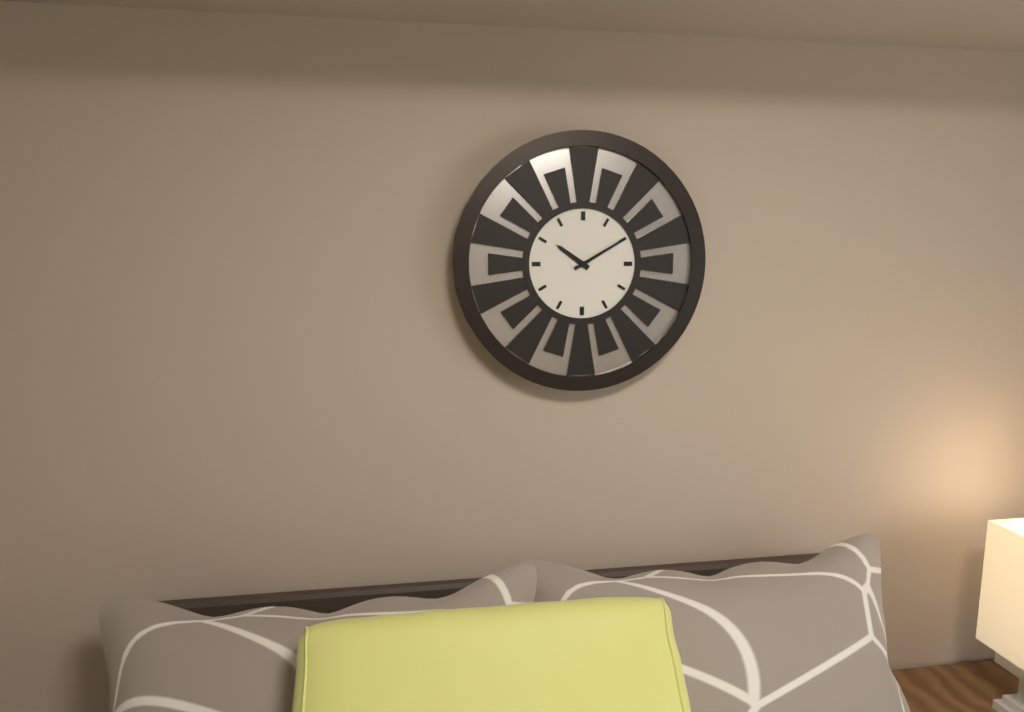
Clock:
10:10
